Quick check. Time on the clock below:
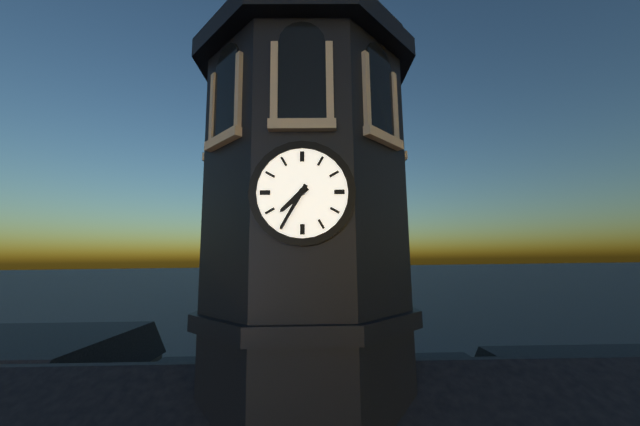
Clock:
7:35
